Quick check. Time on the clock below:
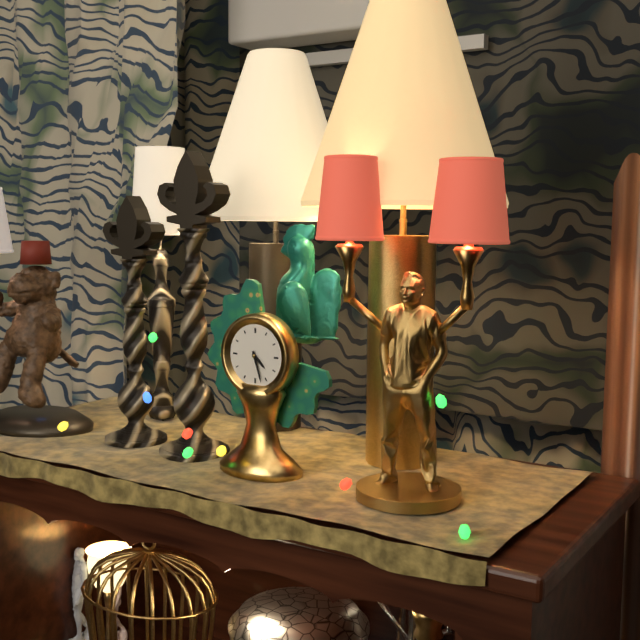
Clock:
4:27
